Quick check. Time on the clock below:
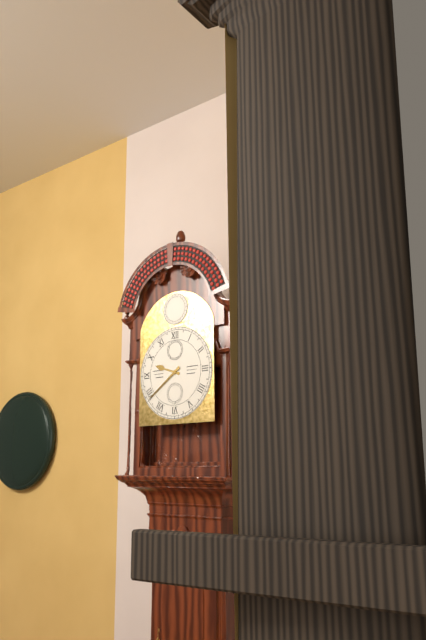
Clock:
9:39
